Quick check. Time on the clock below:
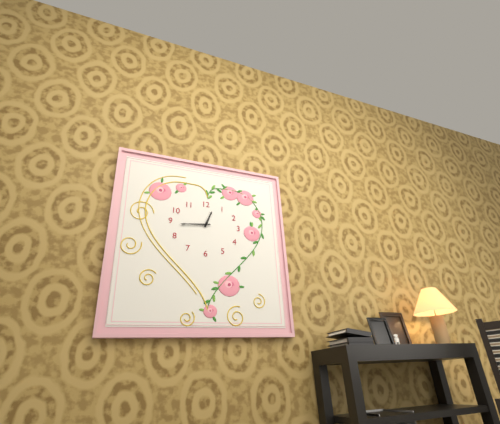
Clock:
12:44
